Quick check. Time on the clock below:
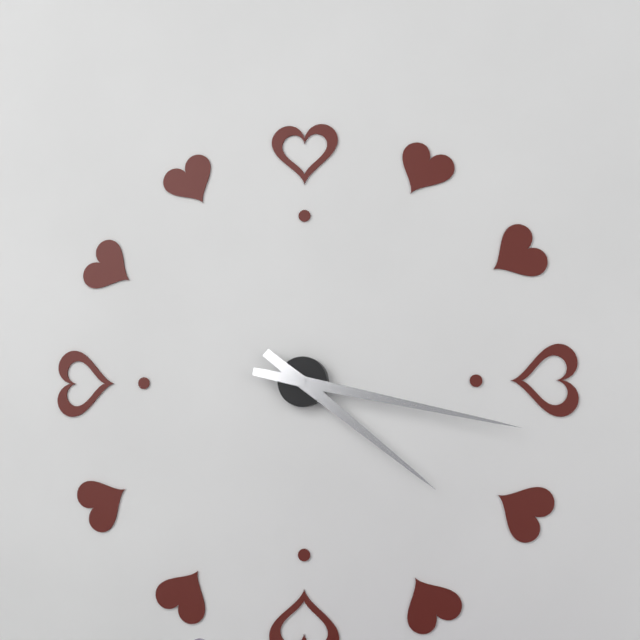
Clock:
4:17
